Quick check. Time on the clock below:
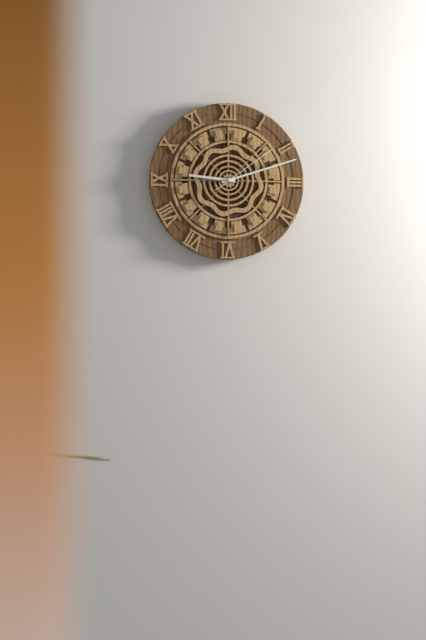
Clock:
9:12:09
